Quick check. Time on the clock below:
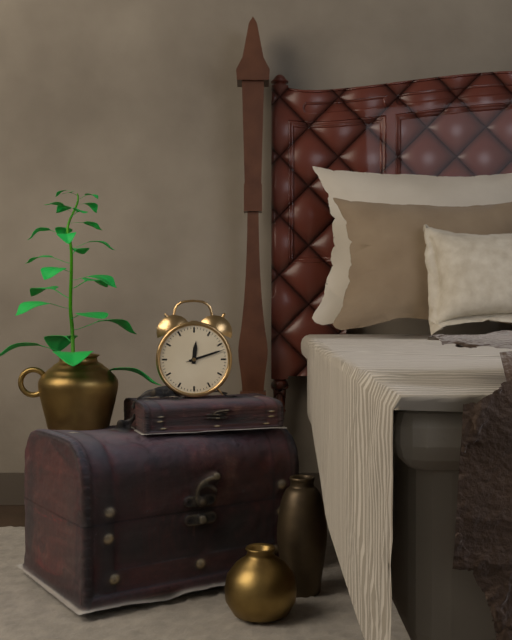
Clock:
12:12
